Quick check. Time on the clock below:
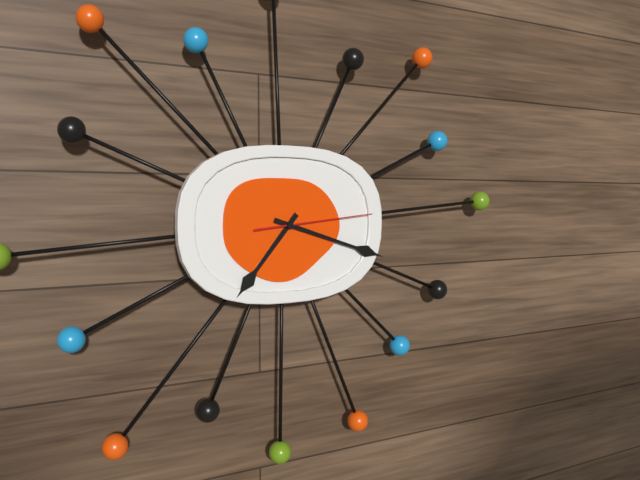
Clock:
7:18:14
